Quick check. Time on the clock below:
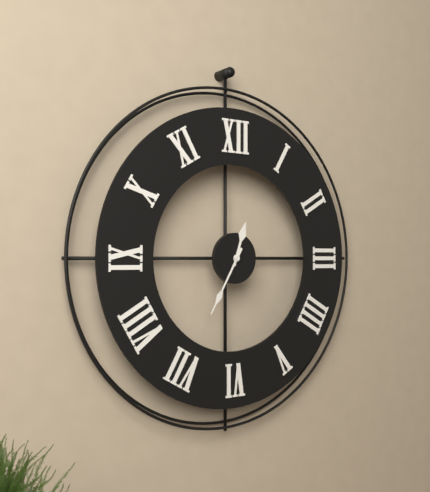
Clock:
12:35
